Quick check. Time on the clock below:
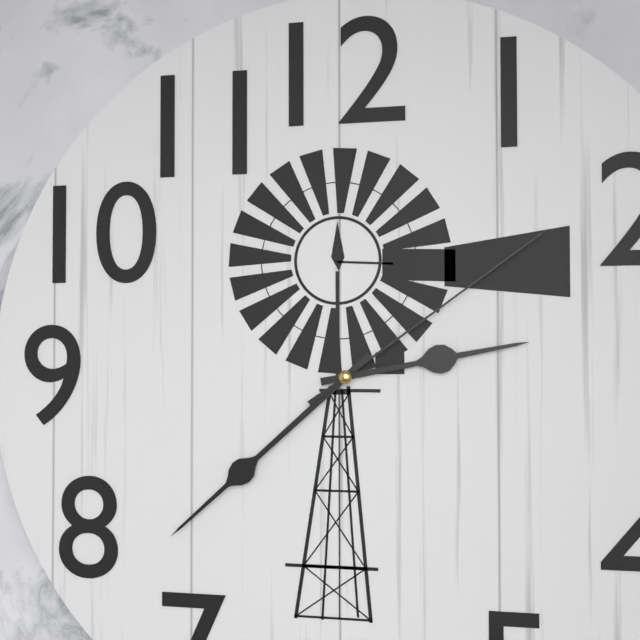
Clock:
2:38:09
